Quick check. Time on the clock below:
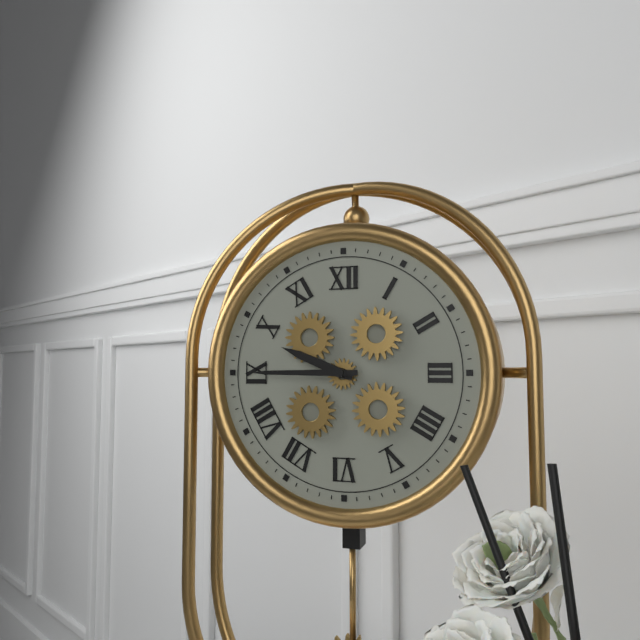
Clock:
9:45
